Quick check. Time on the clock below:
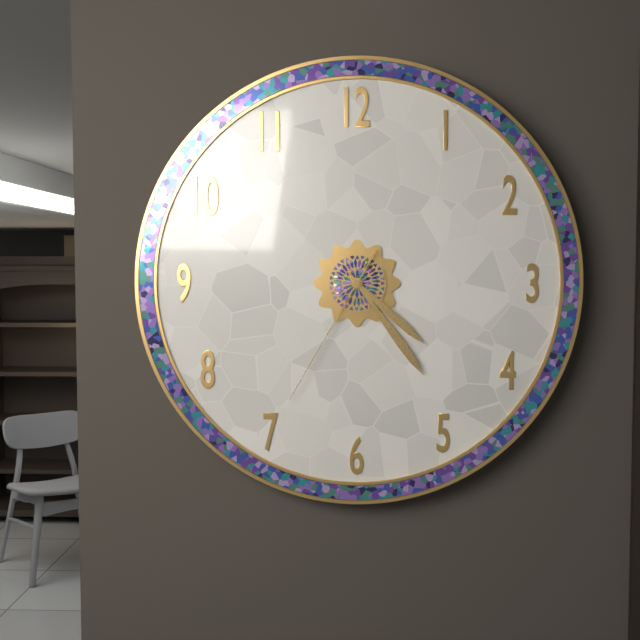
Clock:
4:24:35
